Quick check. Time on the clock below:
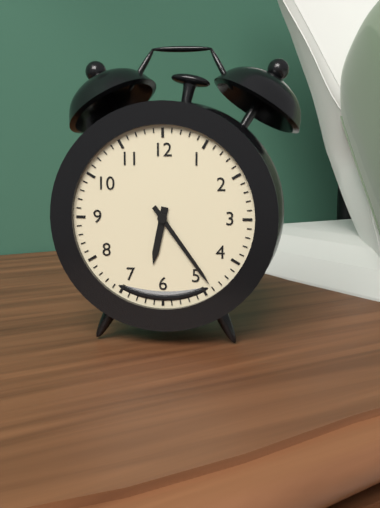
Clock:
6:24
